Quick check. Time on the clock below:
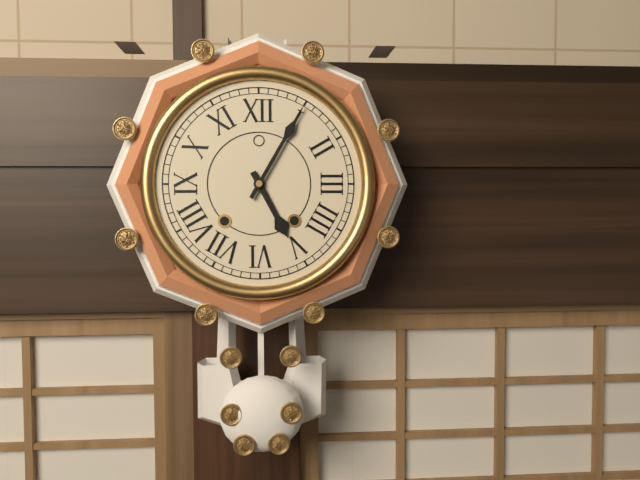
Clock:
5:05
